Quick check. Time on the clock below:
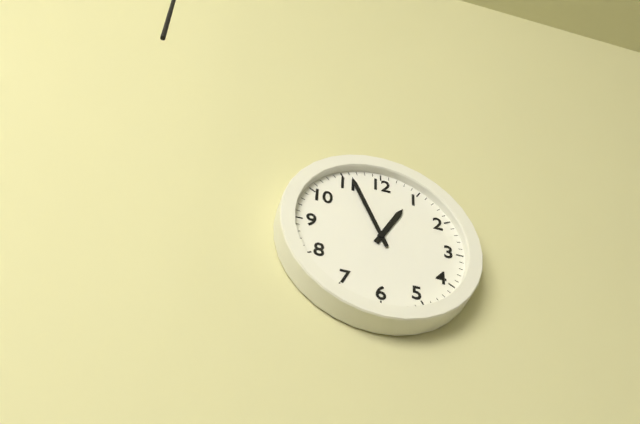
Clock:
12:56
